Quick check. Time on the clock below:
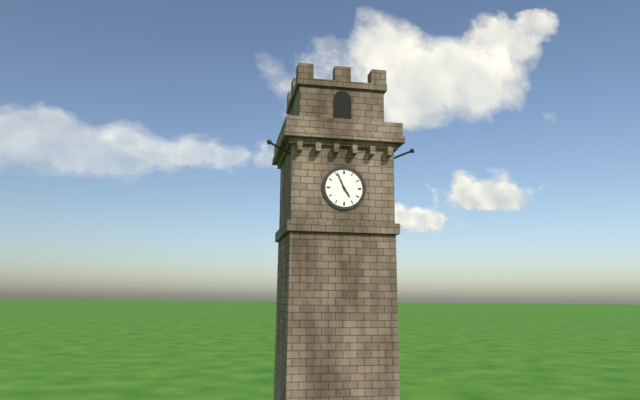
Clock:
4:56
